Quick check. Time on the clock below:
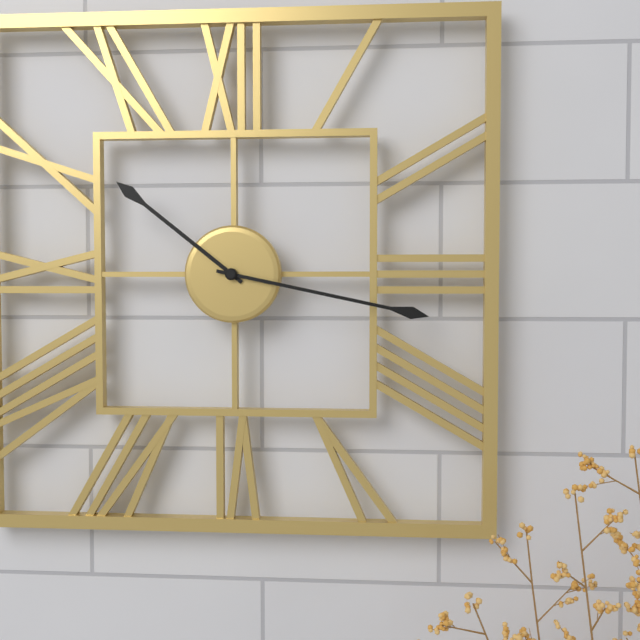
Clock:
10:17
